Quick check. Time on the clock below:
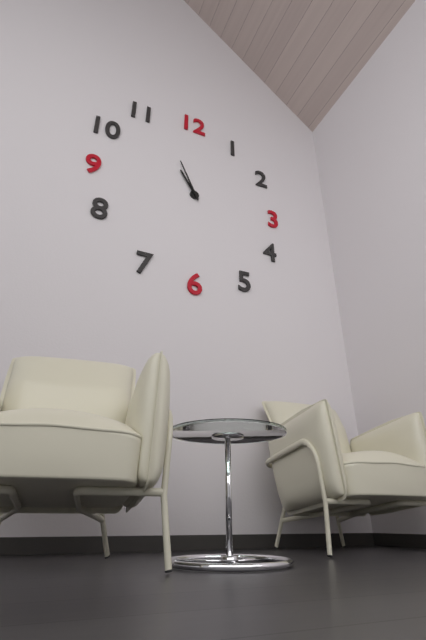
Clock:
10:56
